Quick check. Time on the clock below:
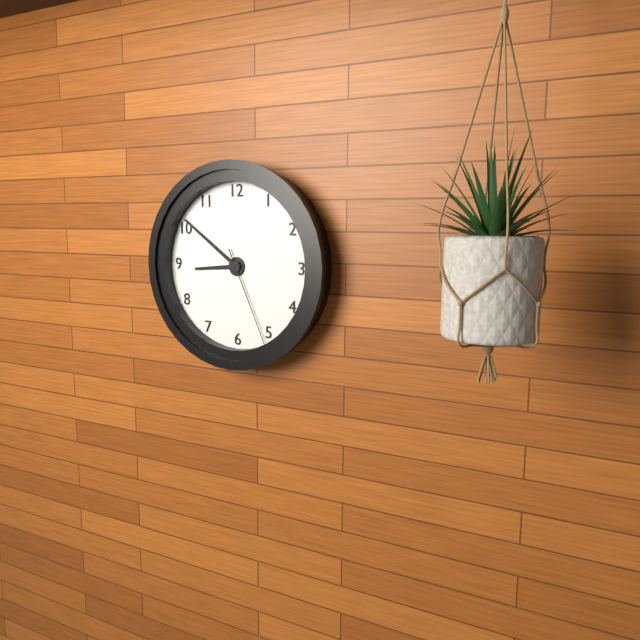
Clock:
8:51:26
